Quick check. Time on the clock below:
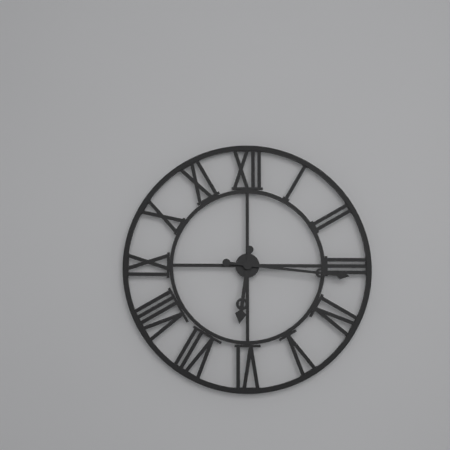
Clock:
6:16
